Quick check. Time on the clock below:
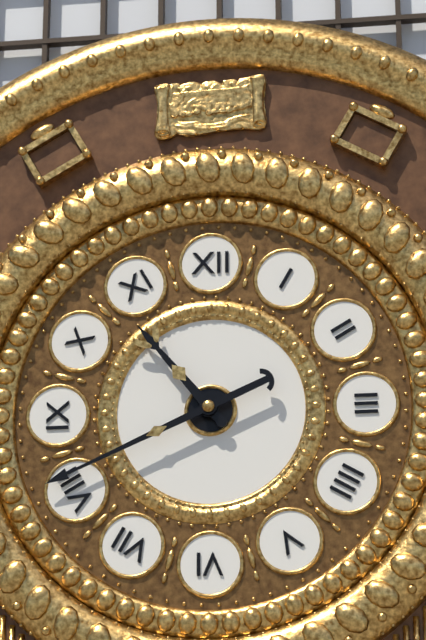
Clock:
10:41
